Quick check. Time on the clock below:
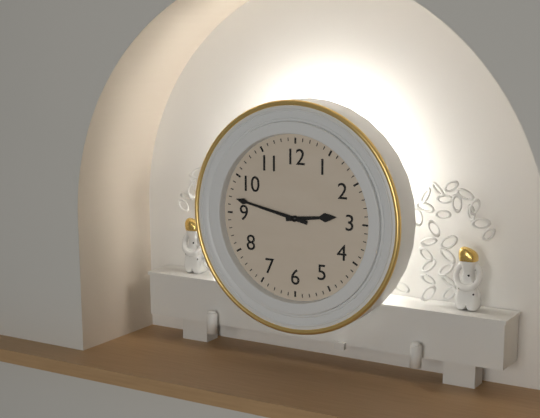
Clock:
2:47
